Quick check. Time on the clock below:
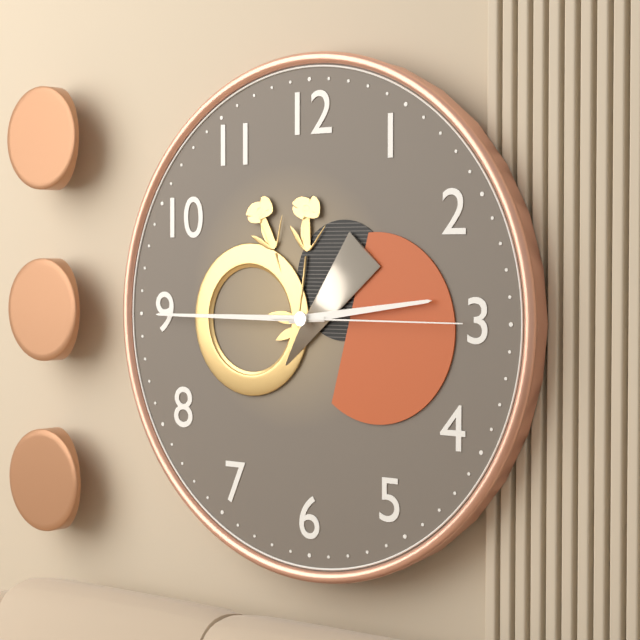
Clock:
2:45:15
